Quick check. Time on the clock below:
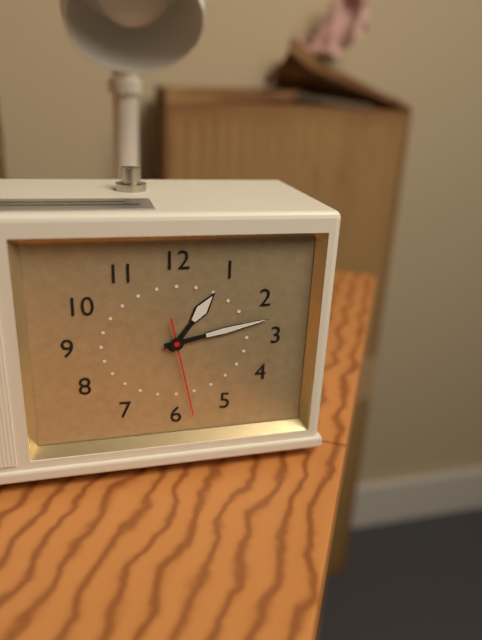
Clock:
1:13:28
